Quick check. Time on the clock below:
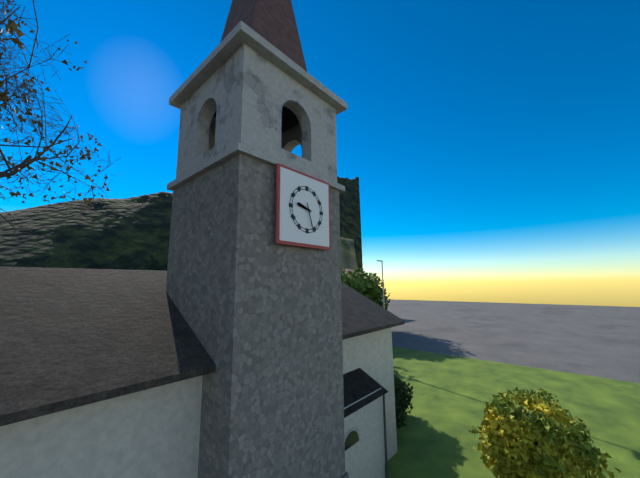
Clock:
9:27
